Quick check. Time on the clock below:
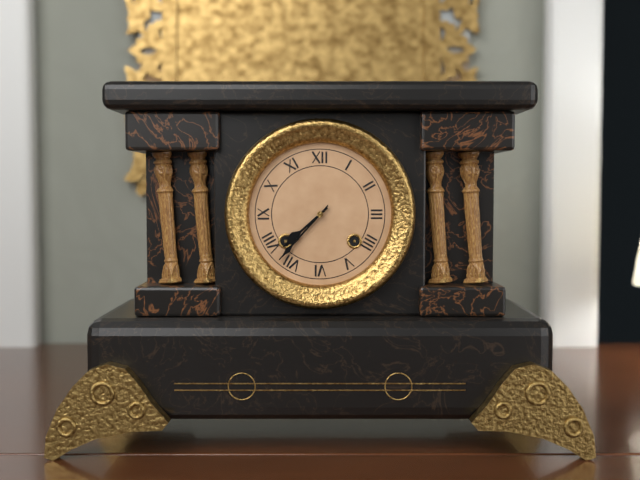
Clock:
7:37
